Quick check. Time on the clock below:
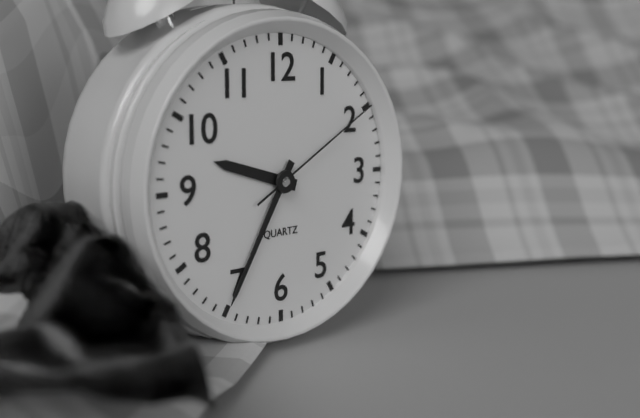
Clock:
9:35:10
